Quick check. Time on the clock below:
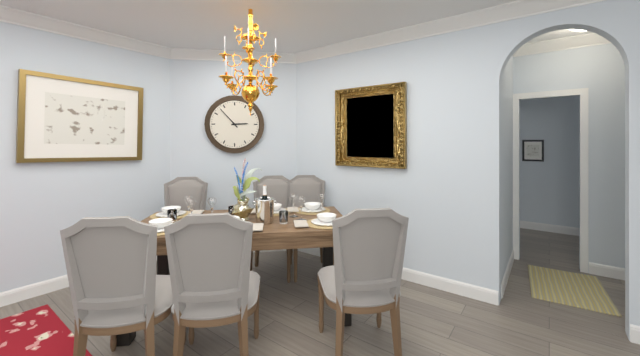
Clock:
2:53
